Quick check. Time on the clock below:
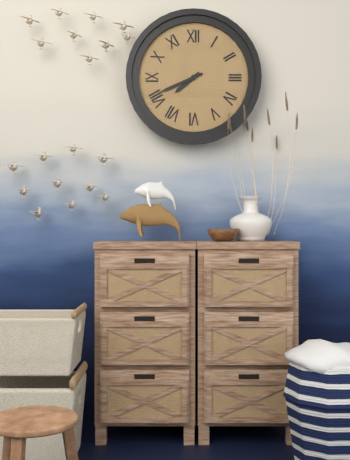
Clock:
7:41
